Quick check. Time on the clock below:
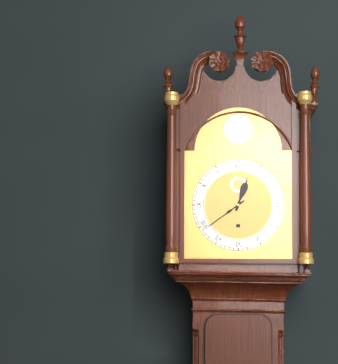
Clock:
12:39
